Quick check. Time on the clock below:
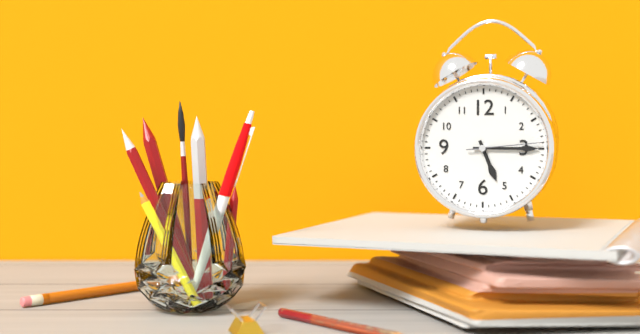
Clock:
5:15:14
